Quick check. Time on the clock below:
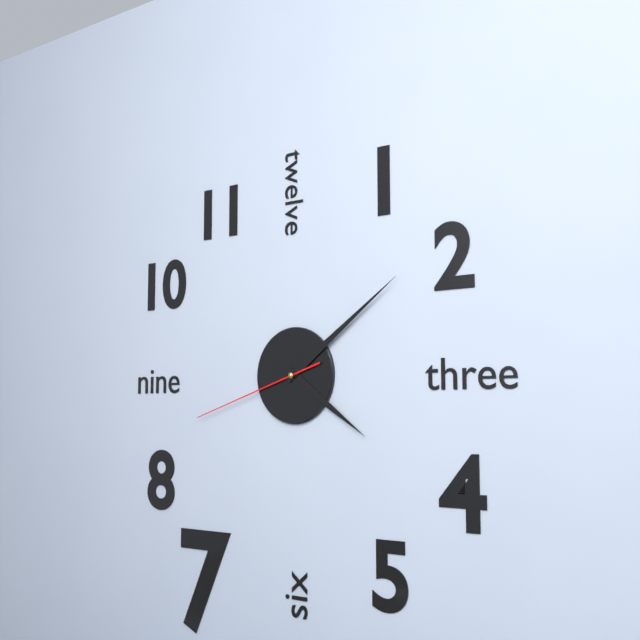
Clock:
4:09:42
